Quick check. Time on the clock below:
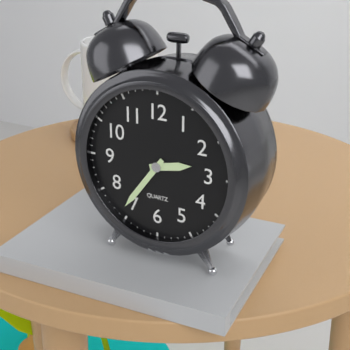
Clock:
2:36
